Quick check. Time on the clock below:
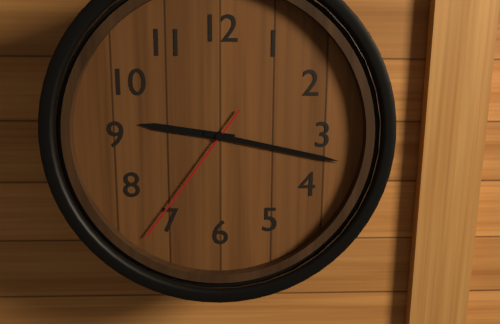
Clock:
9:17:36
